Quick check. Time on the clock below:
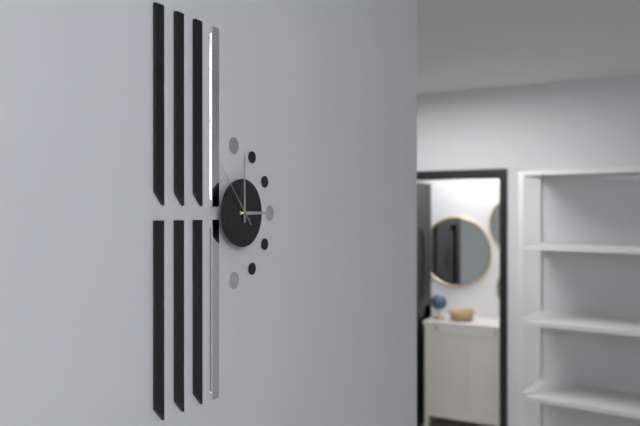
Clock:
3:00:53
